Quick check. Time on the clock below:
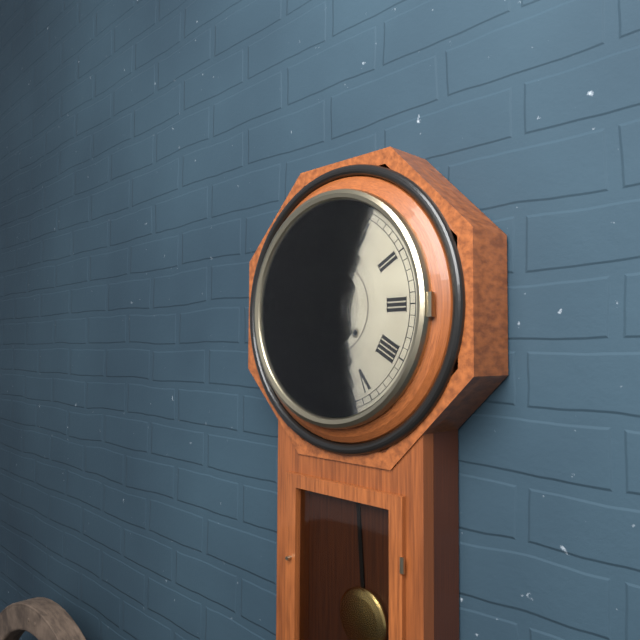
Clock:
7:30
